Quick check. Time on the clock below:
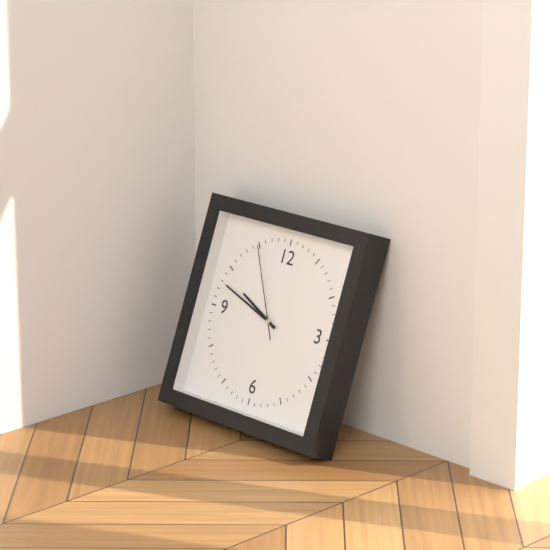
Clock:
9:48:55
